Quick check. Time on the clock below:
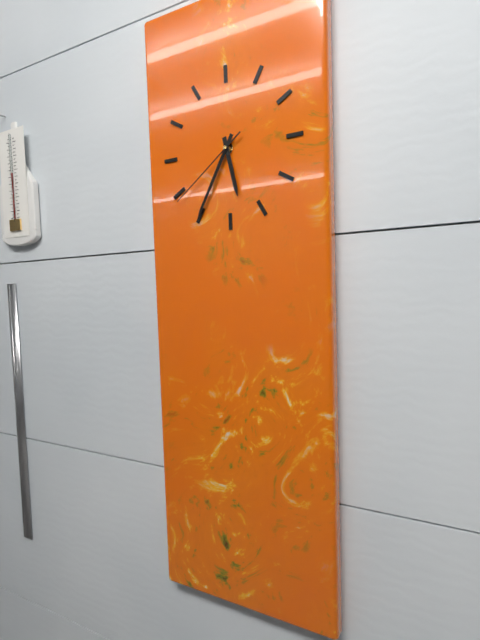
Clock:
5:35:39
